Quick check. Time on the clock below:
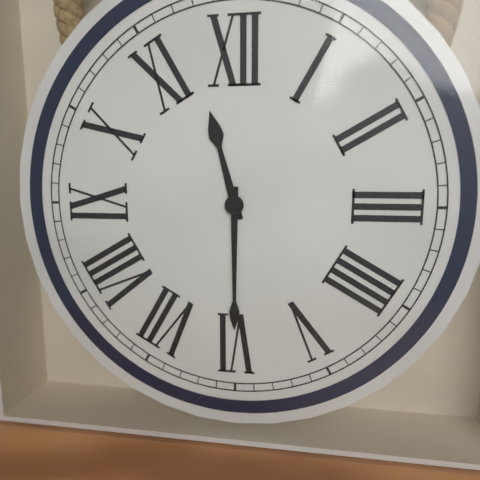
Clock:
11:30
